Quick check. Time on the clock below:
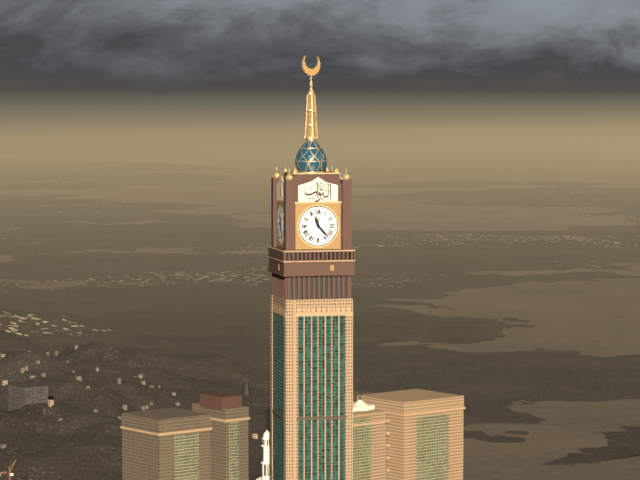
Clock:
11:23
